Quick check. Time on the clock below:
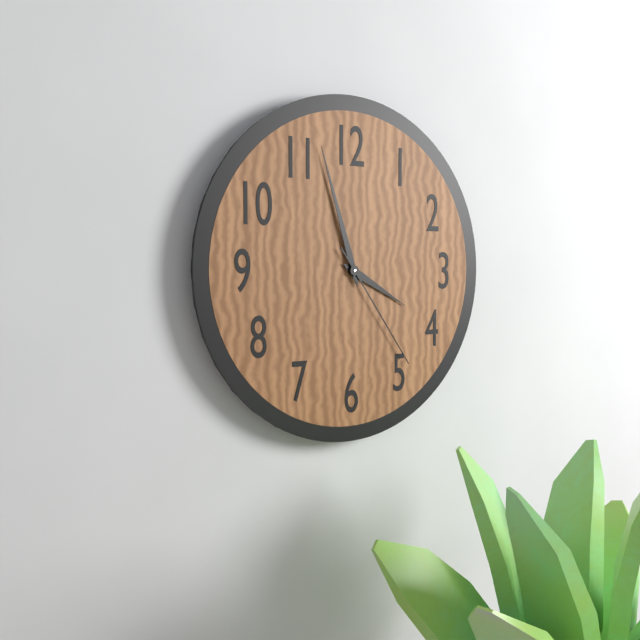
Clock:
3:57:24
